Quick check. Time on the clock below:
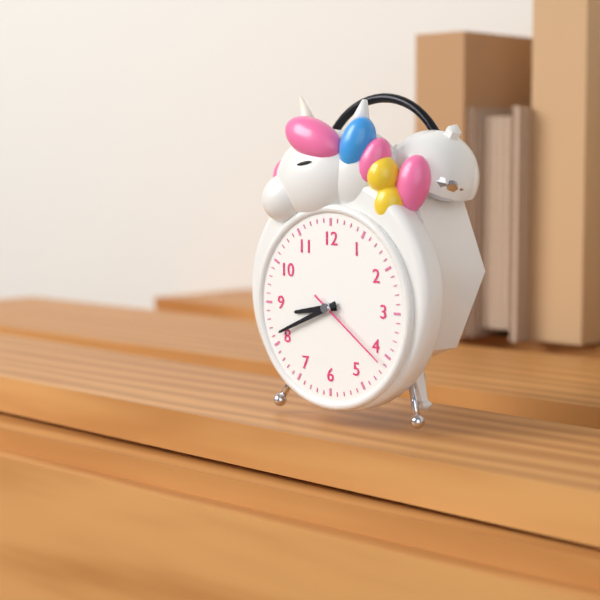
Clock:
8:41:21
